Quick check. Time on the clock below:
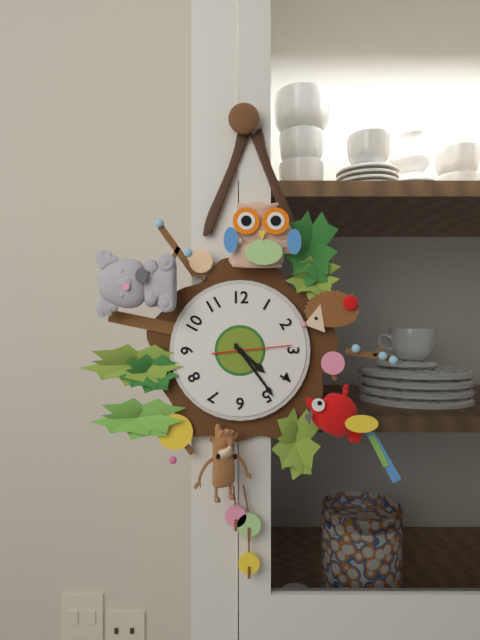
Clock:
4:24:14
